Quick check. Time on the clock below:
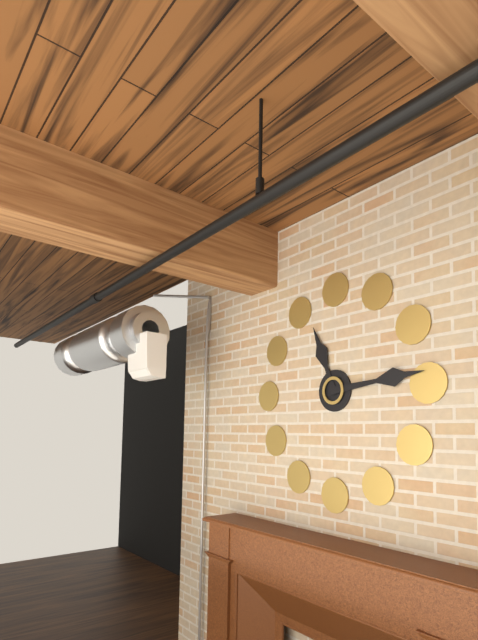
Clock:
11:14
